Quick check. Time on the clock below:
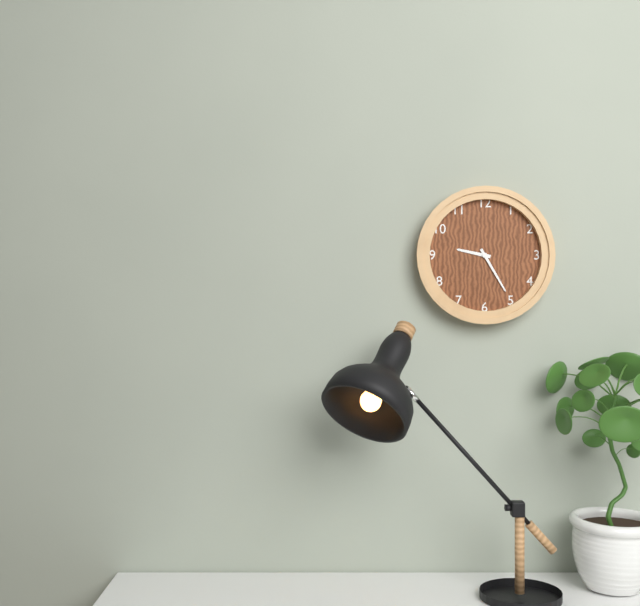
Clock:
9:25
